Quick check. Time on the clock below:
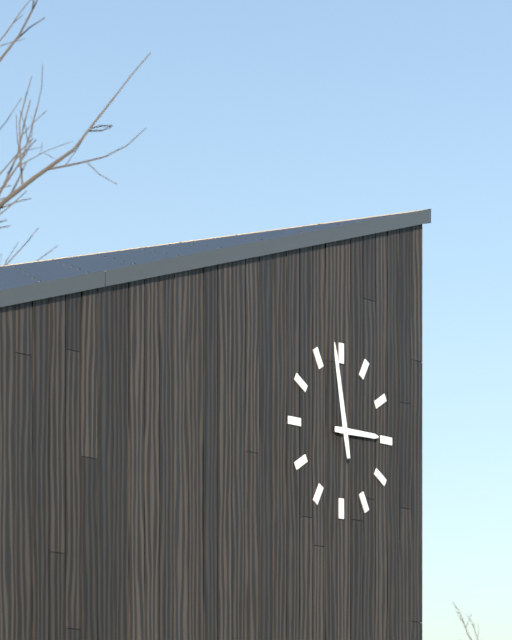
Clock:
2:58
